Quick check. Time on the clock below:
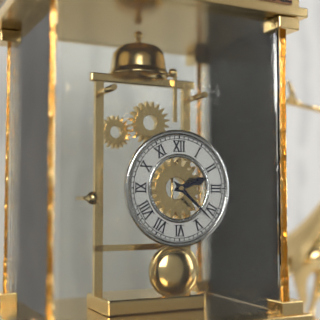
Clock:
2:22
